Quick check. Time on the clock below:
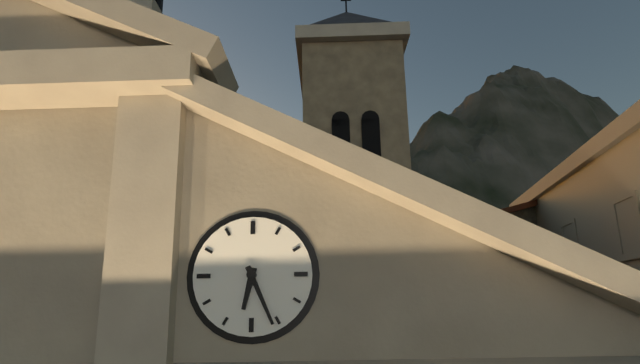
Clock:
6:26
